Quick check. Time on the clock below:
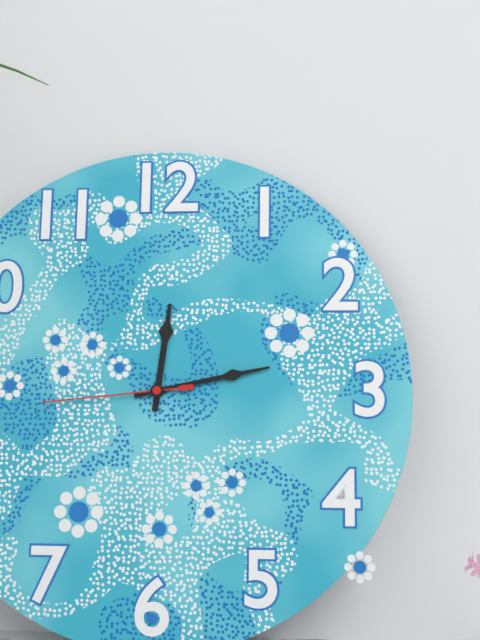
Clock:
12:13:44
